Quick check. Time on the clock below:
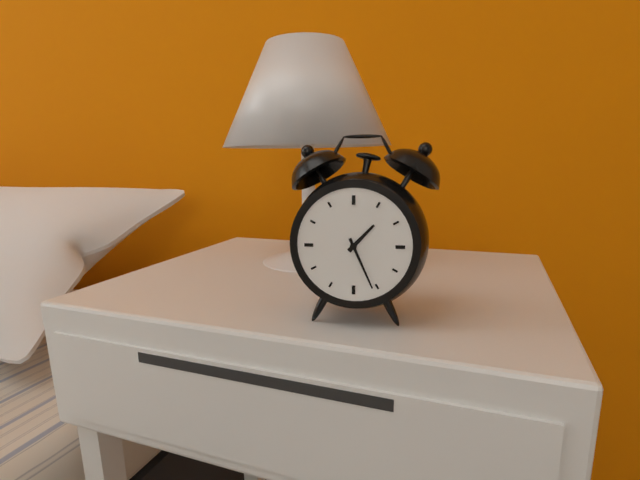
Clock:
1:26
